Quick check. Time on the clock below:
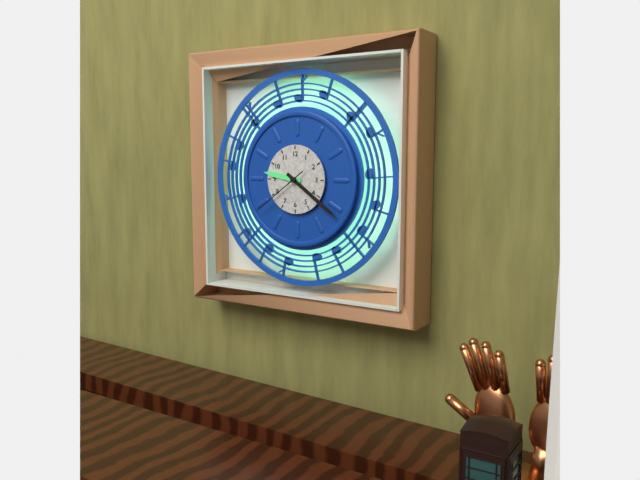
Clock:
9:21:39
